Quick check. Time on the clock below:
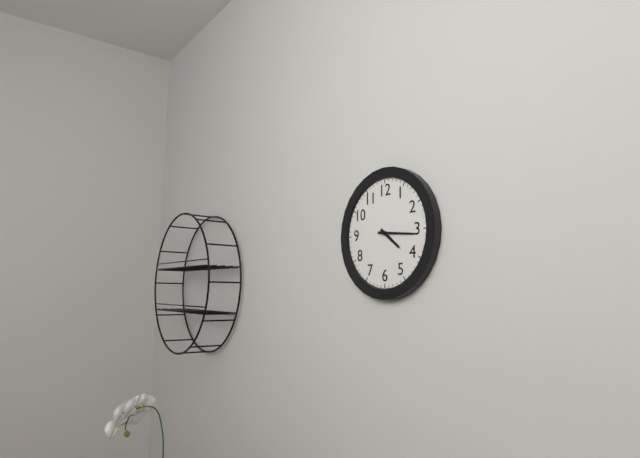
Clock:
4:16
